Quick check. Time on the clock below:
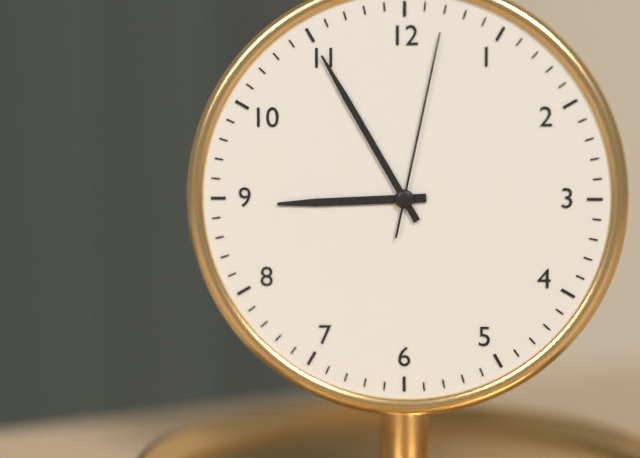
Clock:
8:55:02
